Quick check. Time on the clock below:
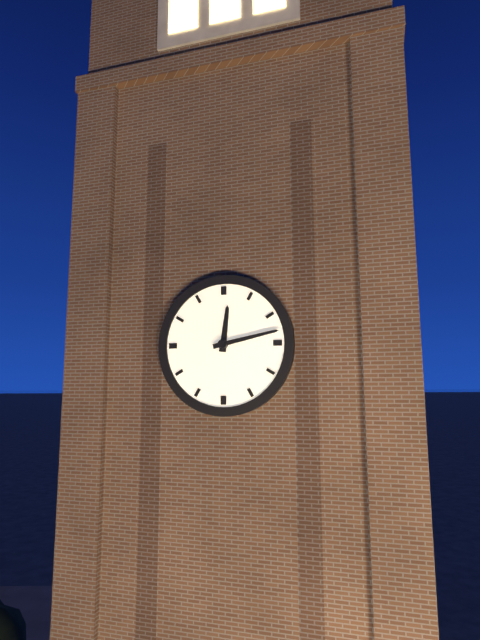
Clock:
12:13
